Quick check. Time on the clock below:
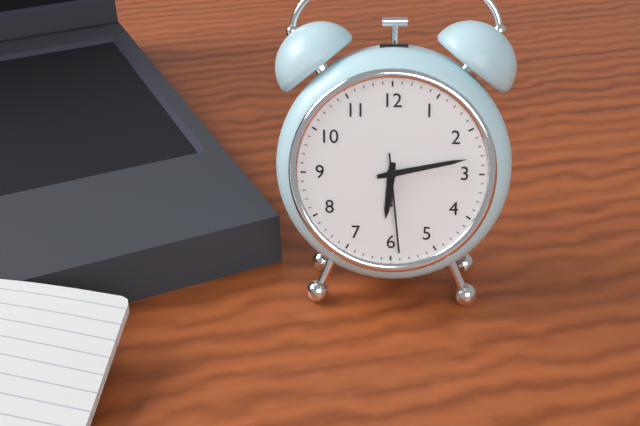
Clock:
6:13:29
